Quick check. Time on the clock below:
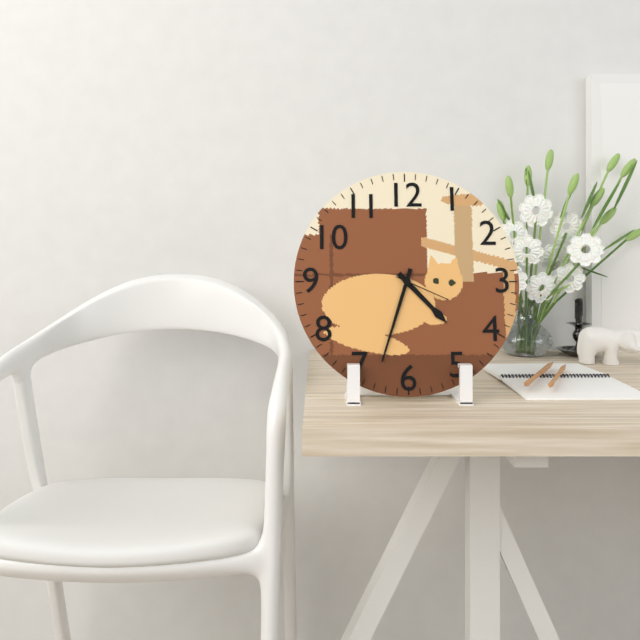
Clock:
4:33:19
